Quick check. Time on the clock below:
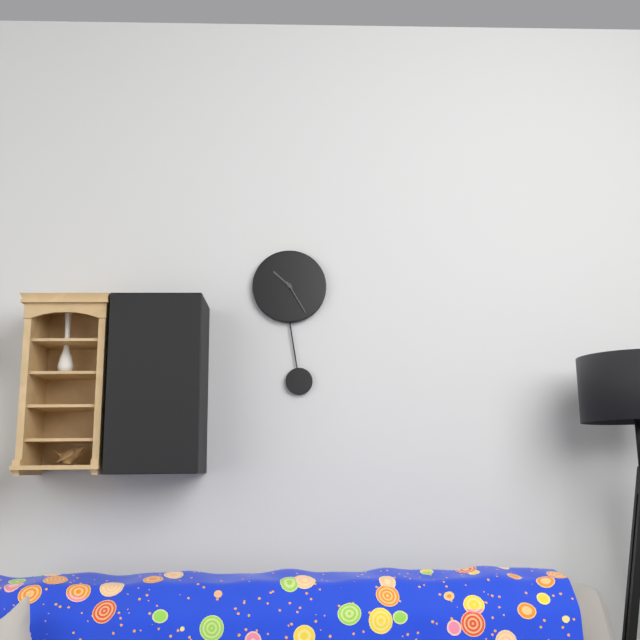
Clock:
10:25
